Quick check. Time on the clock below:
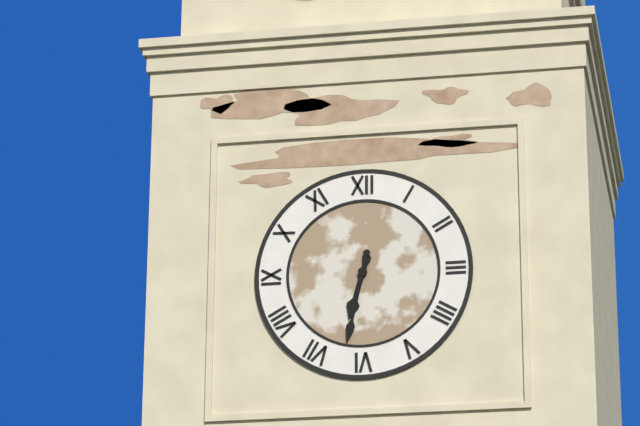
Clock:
6:32
